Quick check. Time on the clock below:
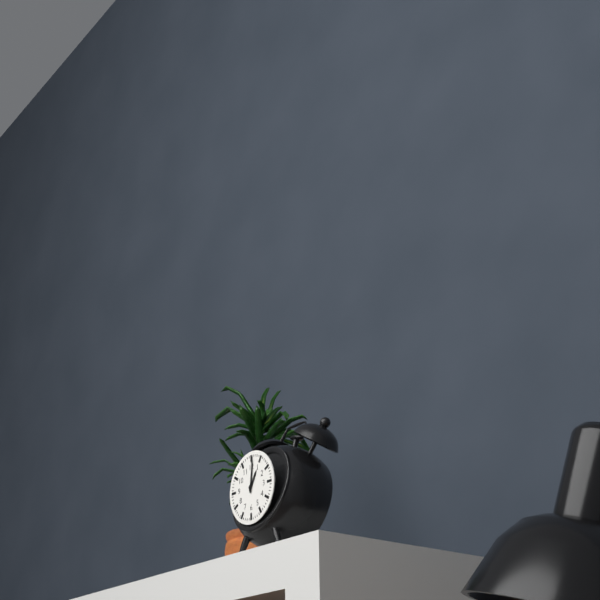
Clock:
1:01
